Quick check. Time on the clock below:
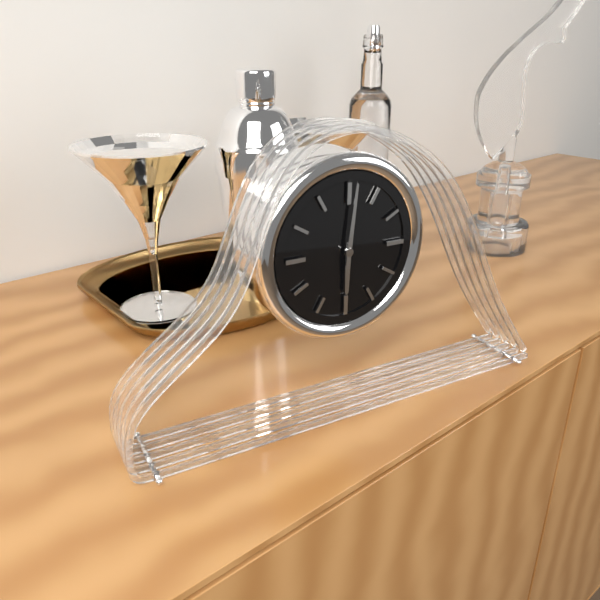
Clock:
6:01
